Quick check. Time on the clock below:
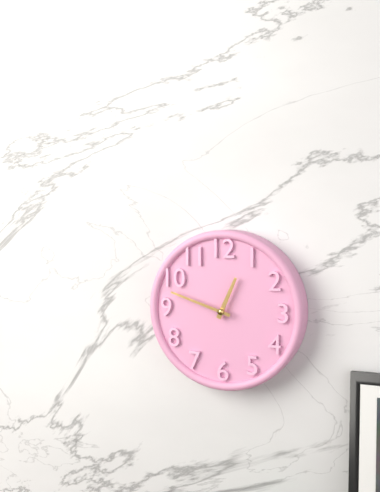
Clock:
12:48
